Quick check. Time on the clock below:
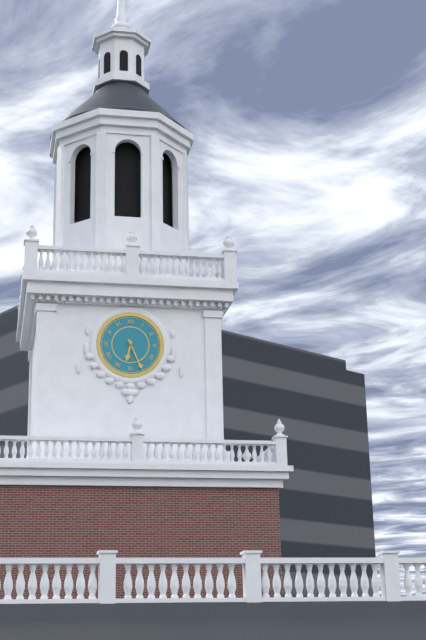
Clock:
6:26
